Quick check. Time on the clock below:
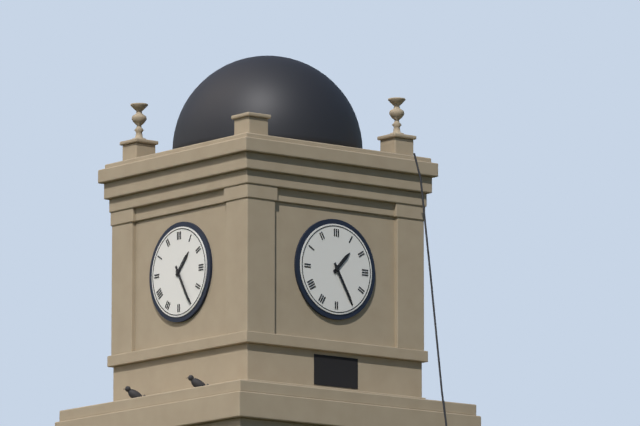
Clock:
1:25
